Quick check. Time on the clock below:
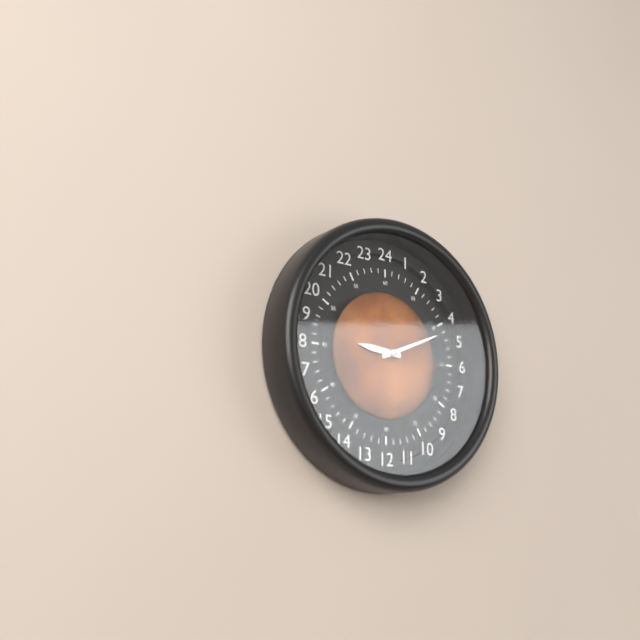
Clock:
9:11
